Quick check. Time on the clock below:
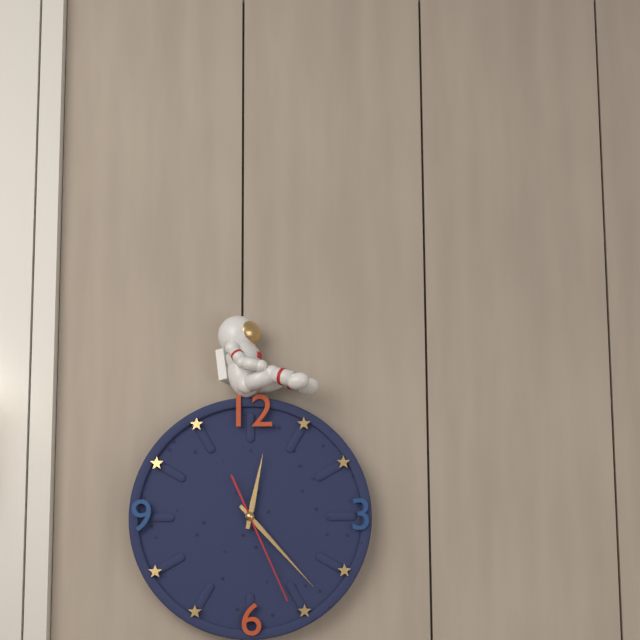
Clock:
12:23:26
